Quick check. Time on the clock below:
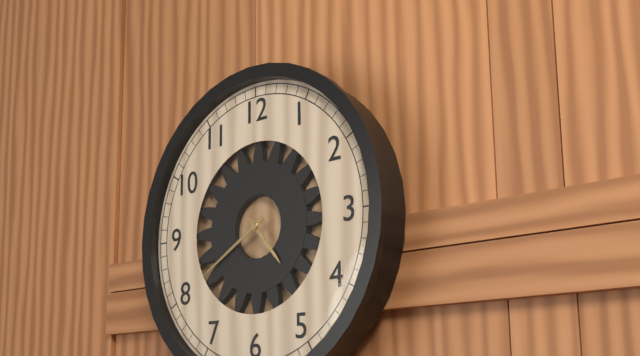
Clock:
4:40
